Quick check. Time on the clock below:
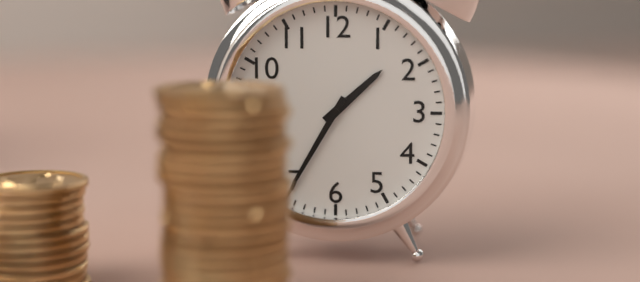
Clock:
1:35
